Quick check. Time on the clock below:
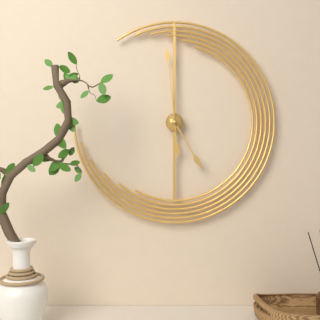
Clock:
4:59
